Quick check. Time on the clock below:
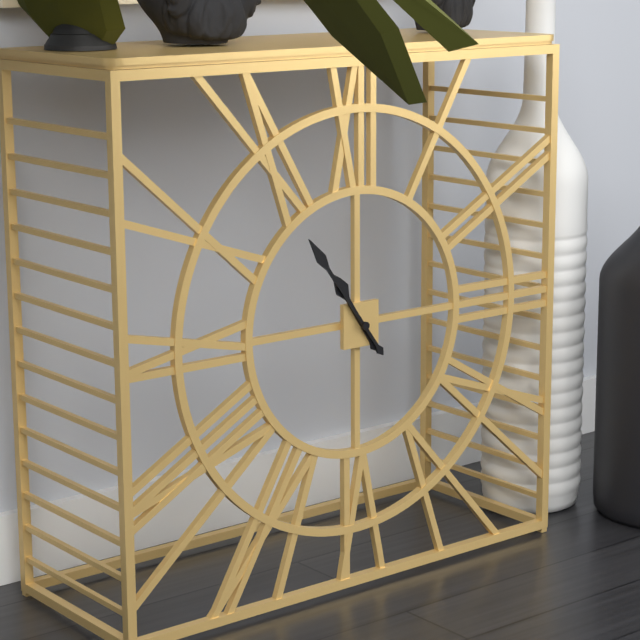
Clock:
10:54
